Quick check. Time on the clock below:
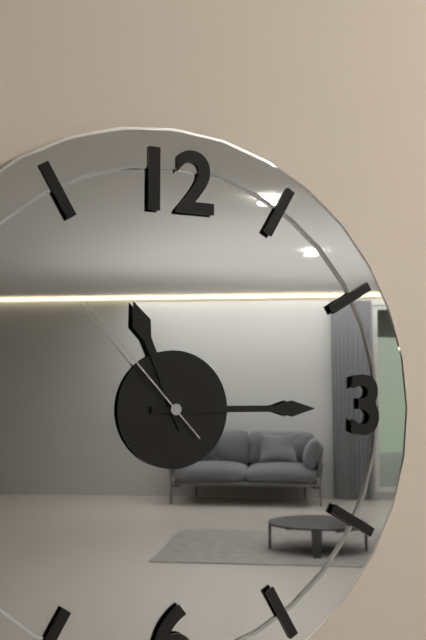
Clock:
11:15:53
